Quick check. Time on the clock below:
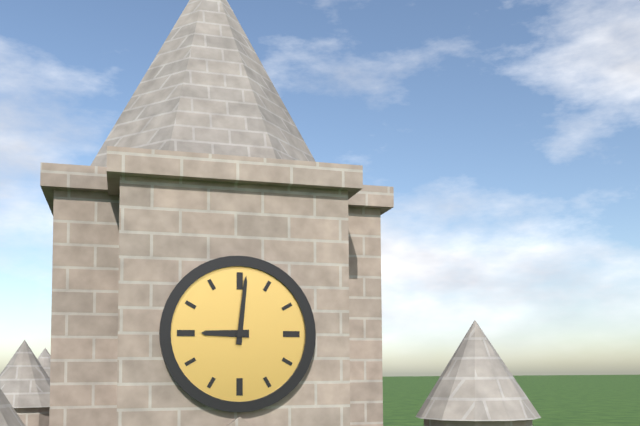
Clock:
9:01
